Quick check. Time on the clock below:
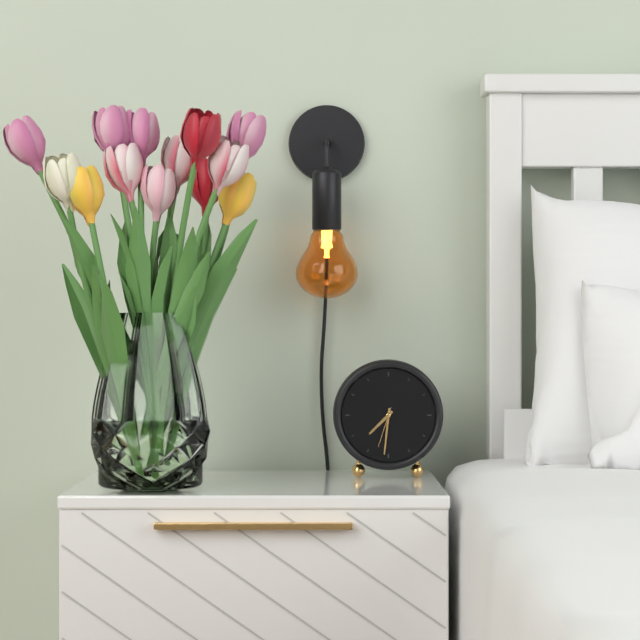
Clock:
7:31
